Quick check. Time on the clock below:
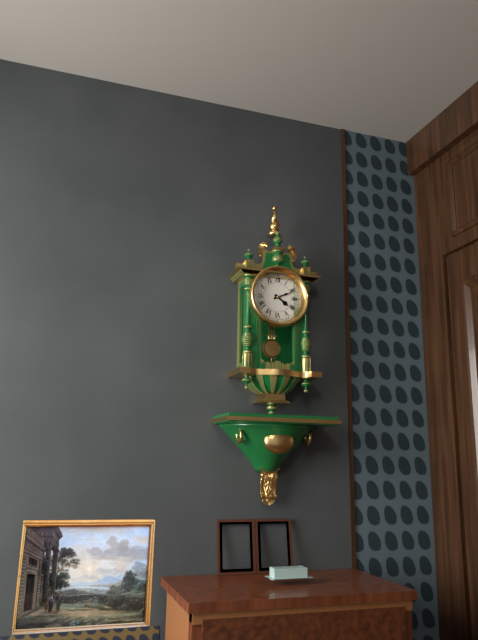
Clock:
4:11
